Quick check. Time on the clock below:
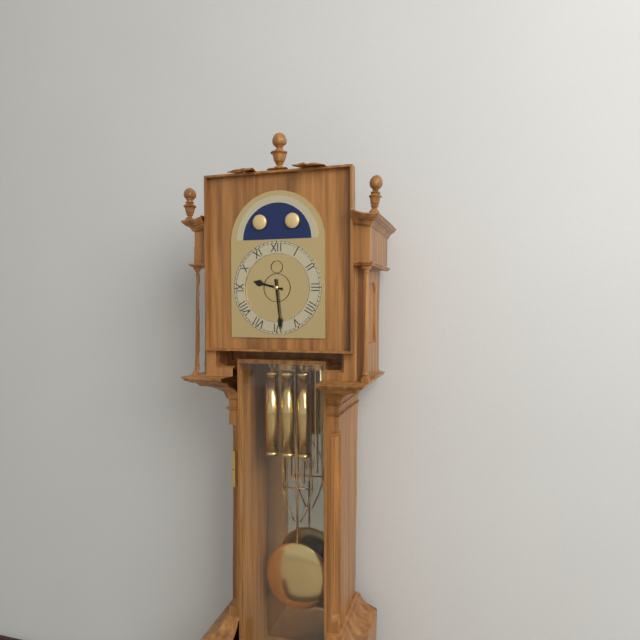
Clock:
9:29
